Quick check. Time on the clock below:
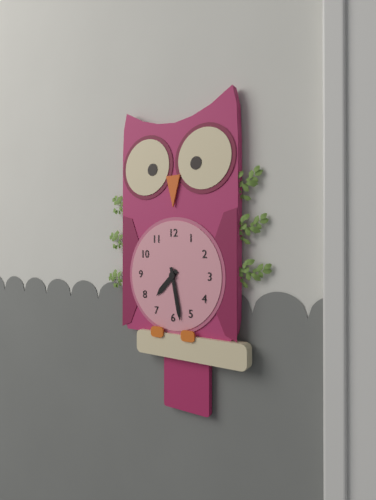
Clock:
7:28
